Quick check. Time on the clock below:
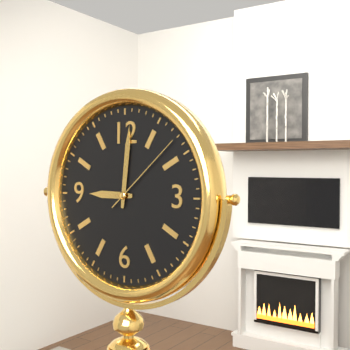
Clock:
9:01:08
